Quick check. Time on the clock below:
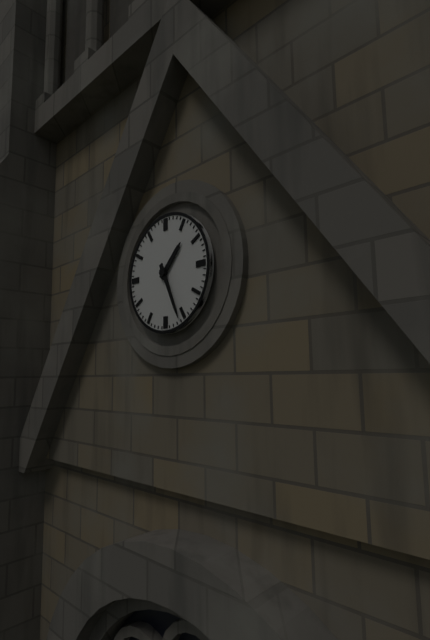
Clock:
1:26
